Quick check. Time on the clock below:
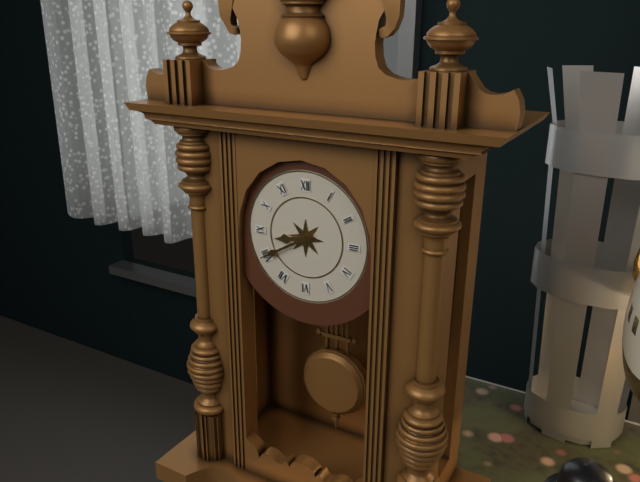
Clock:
8:40
